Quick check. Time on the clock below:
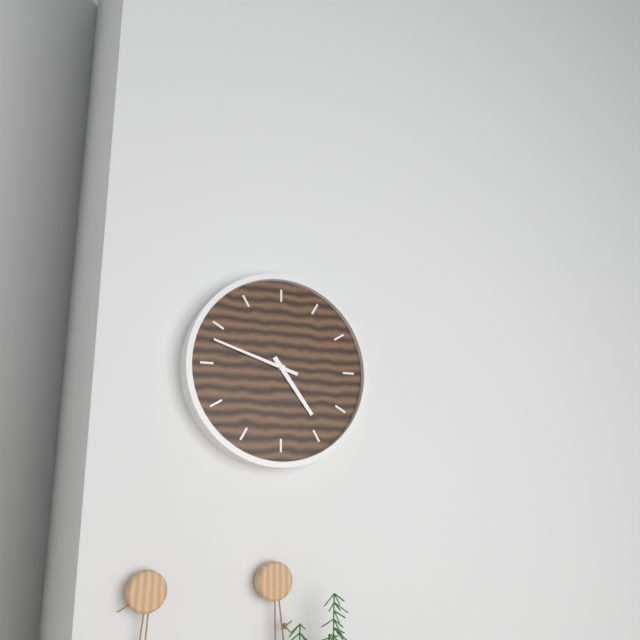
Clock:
4:48
